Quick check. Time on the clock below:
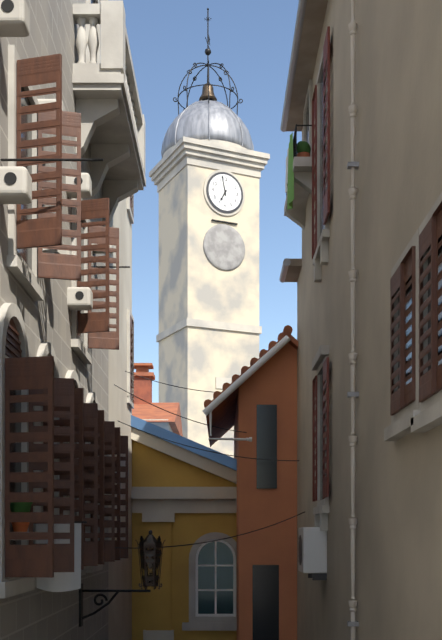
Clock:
6:58
